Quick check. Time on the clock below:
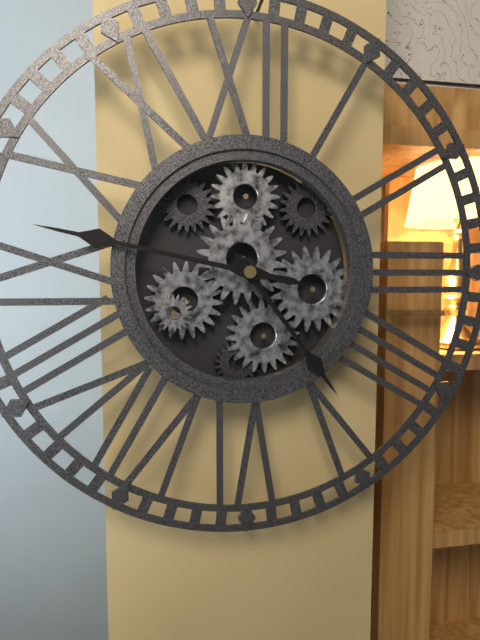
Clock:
4:47
